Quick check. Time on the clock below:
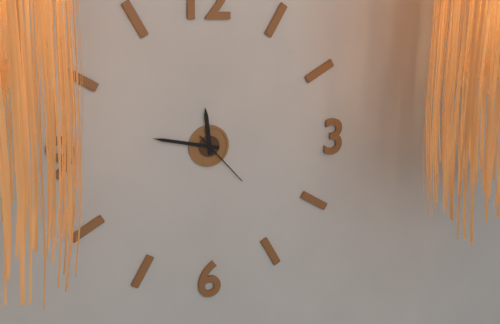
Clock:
11:47:23
